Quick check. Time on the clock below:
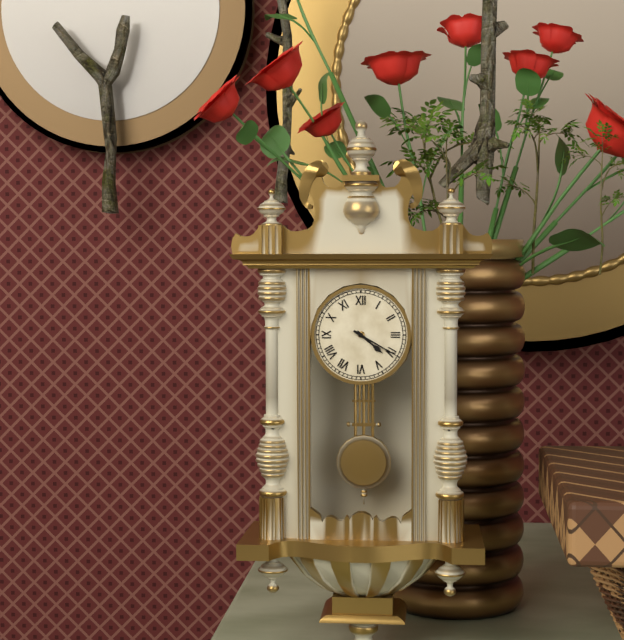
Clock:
4:20
